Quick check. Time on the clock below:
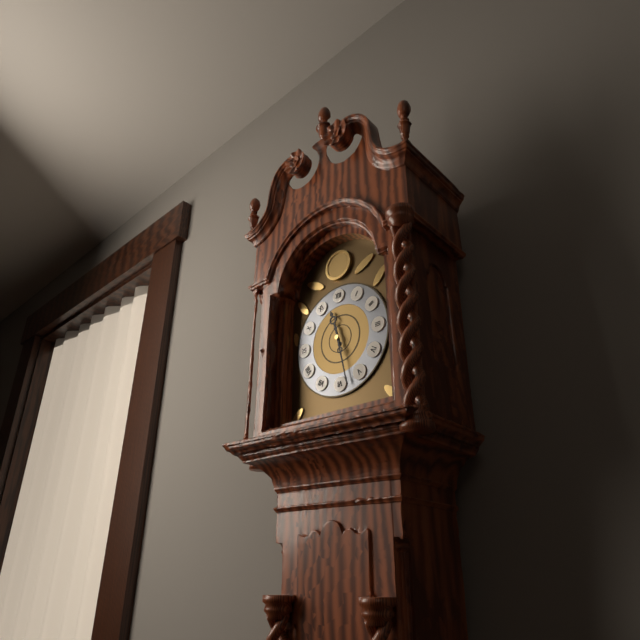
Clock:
11:28
